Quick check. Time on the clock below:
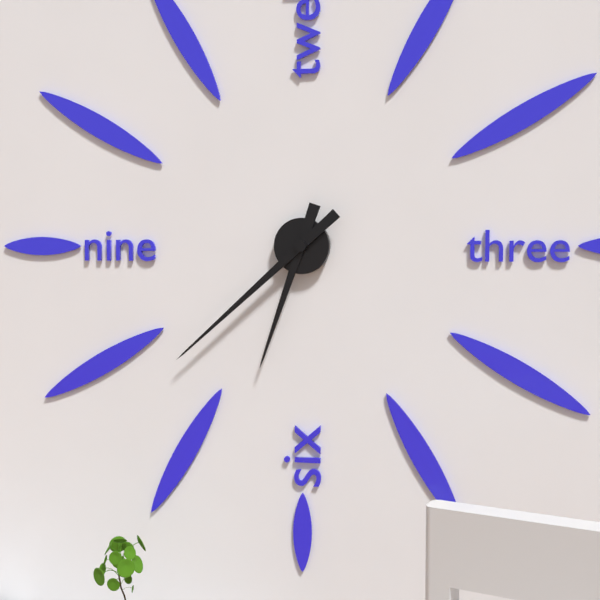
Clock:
6:38
